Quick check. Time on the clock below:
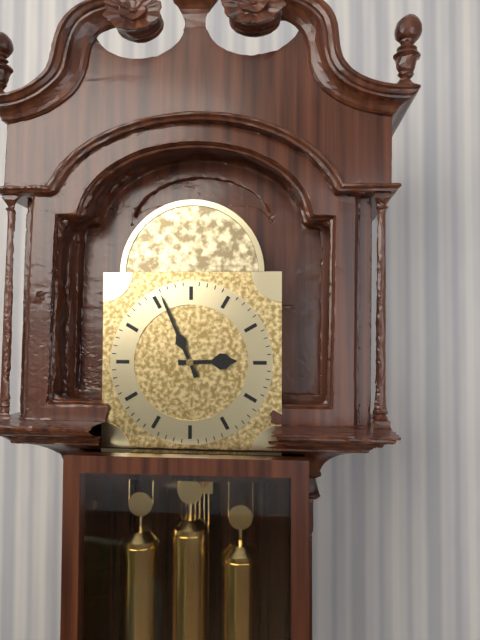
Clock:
2:56
